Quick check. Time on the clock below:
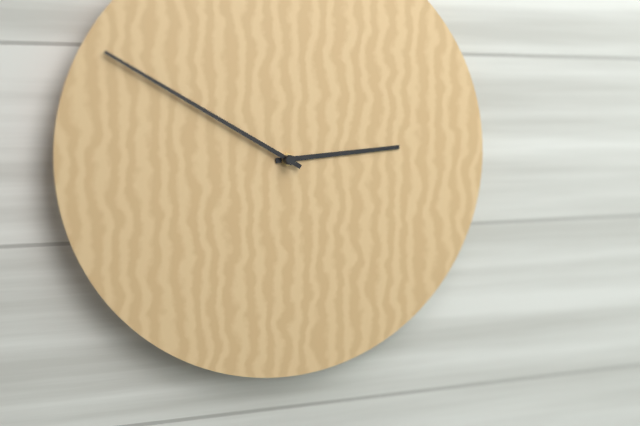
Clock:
2:50
